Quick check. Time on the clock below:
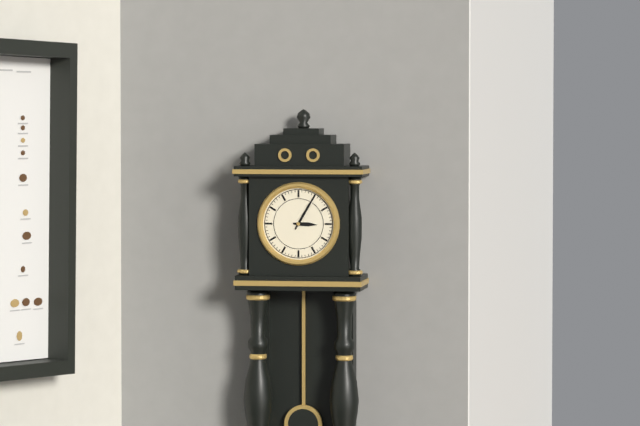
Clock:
3:05
